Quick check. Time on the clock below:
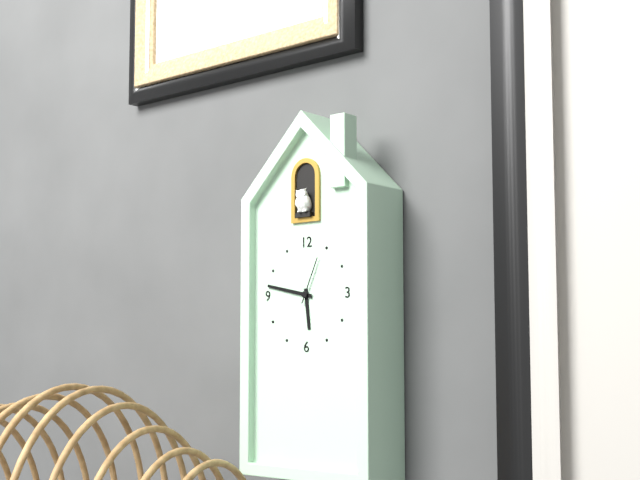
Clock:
5:47
